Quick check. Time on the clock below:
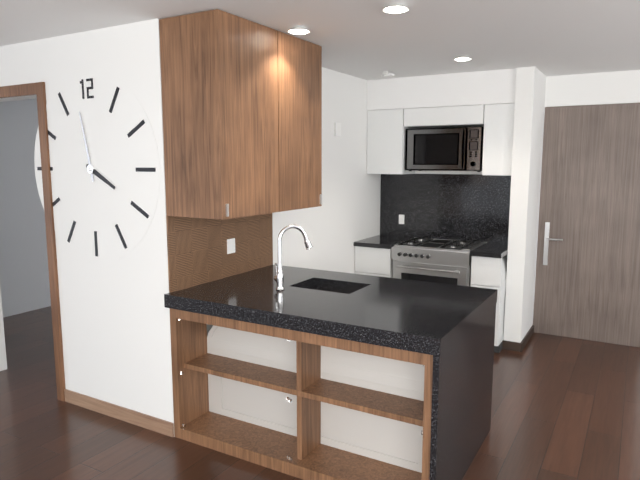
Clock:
3:58
